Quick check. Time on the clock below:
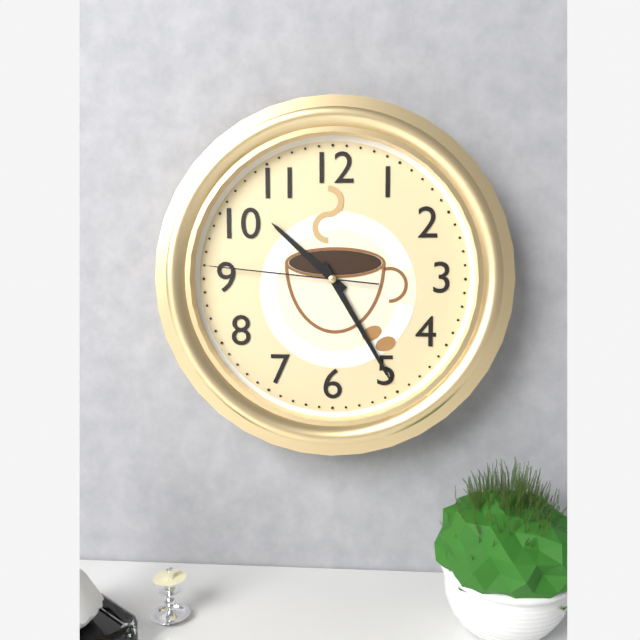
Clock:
10:25:46
